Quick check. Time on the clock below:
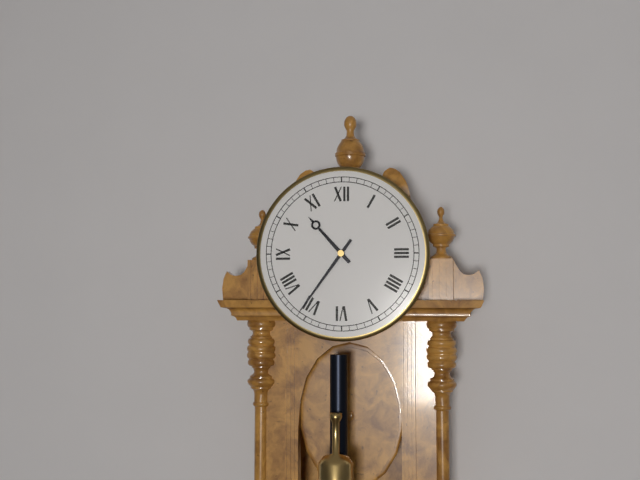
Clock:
10:36
